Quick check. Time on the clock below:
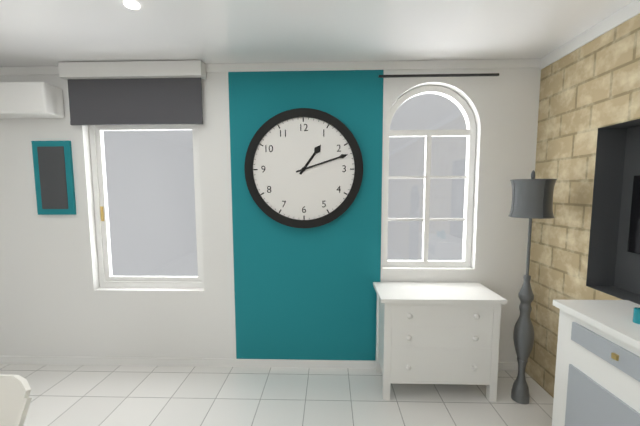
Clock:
1:12
